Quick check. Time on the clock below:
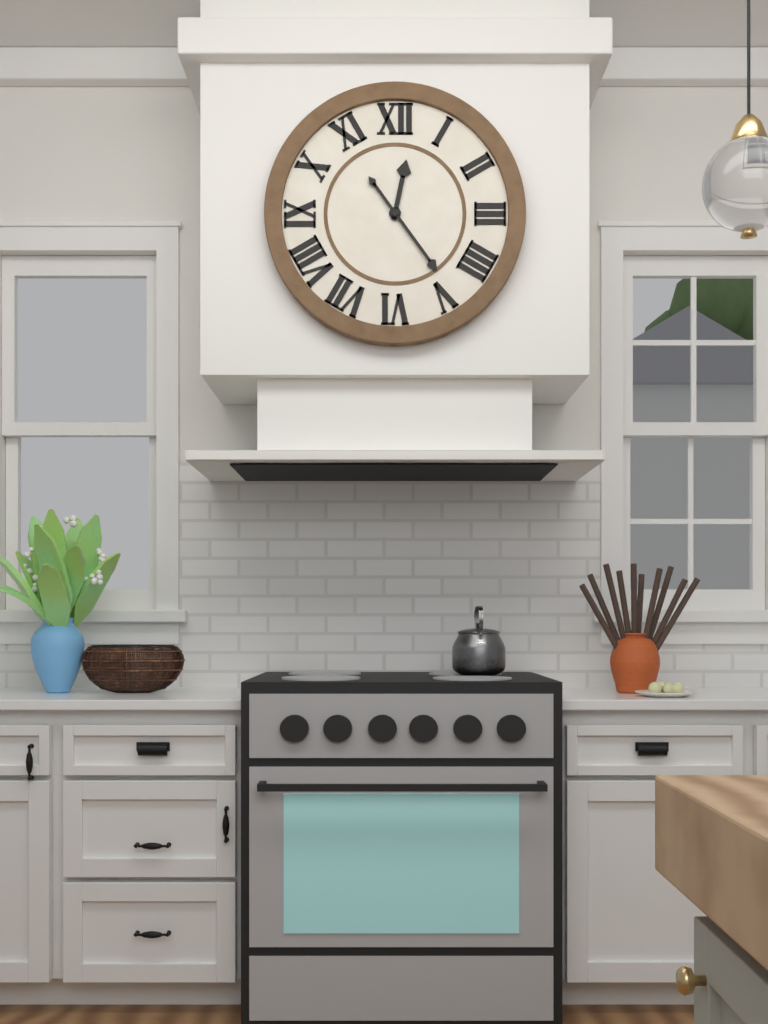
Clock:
12:24
